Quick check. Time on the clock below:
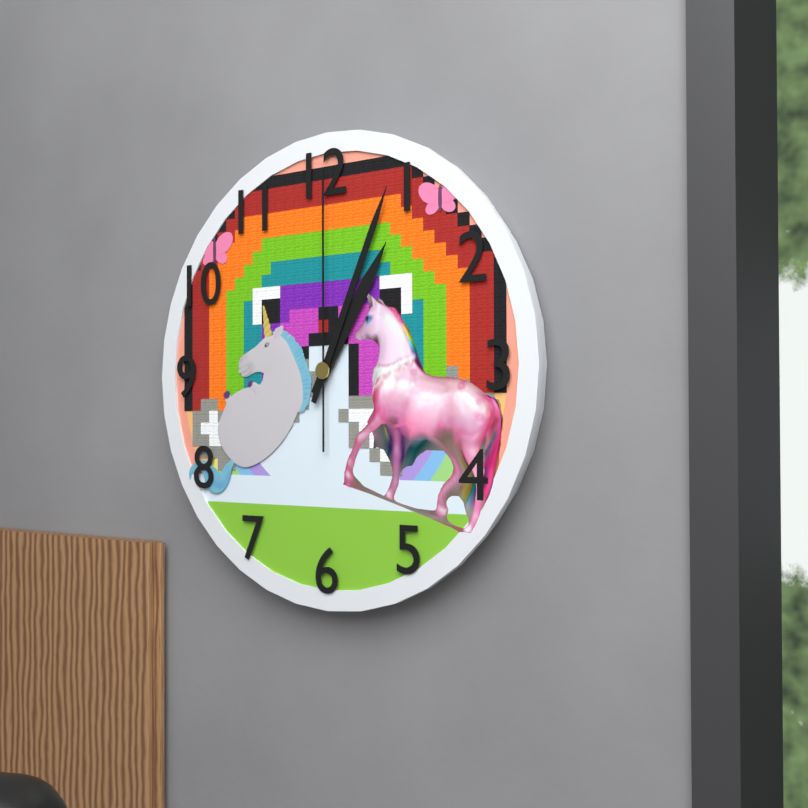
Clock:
1:04:00
